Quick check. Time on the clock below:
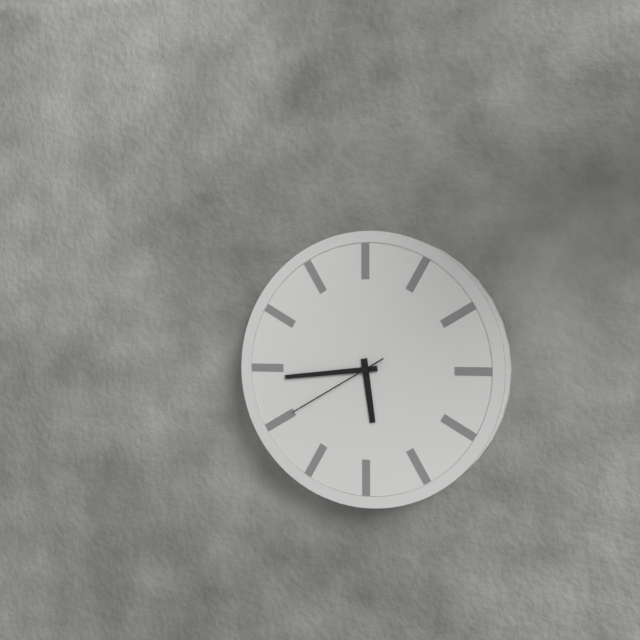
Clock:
5:44:40
